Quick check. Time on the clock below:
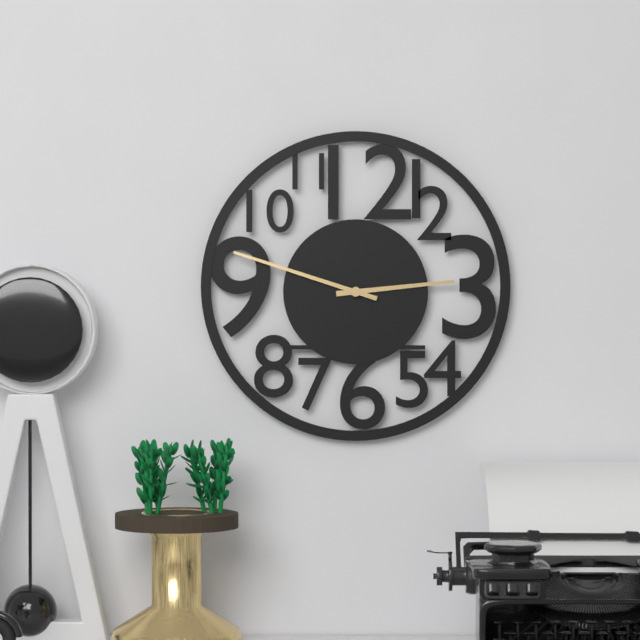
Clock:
2:48
